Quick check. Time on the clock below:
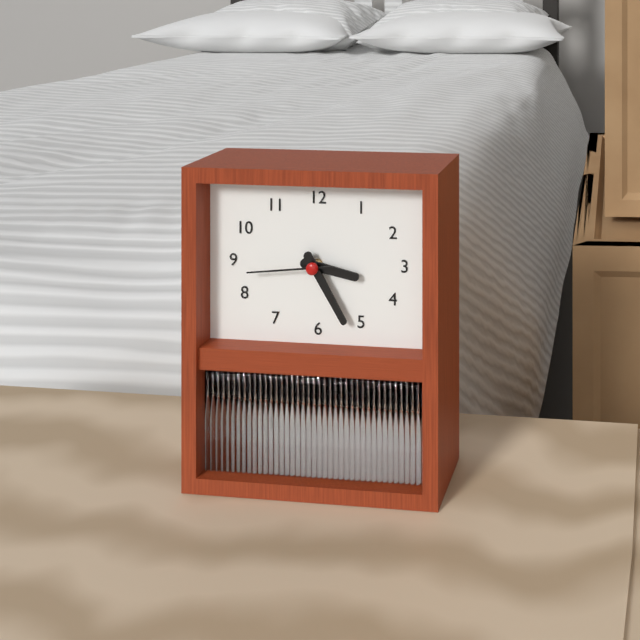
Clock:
3:25:44
